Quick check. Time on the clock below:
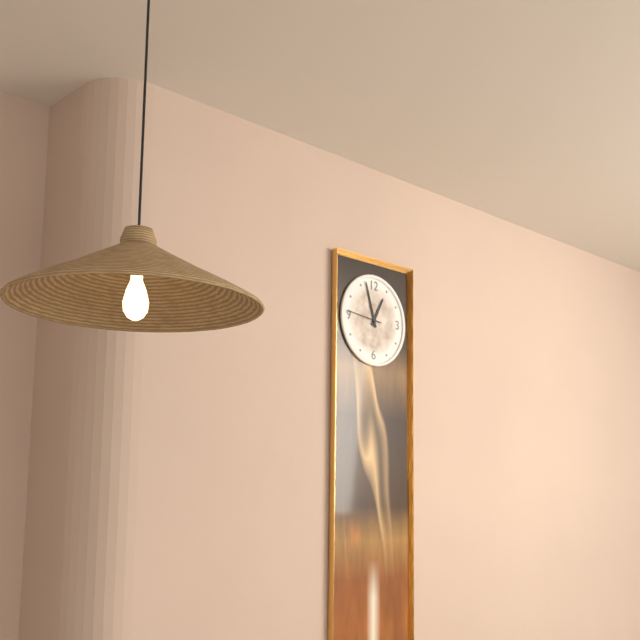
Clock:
12:57
